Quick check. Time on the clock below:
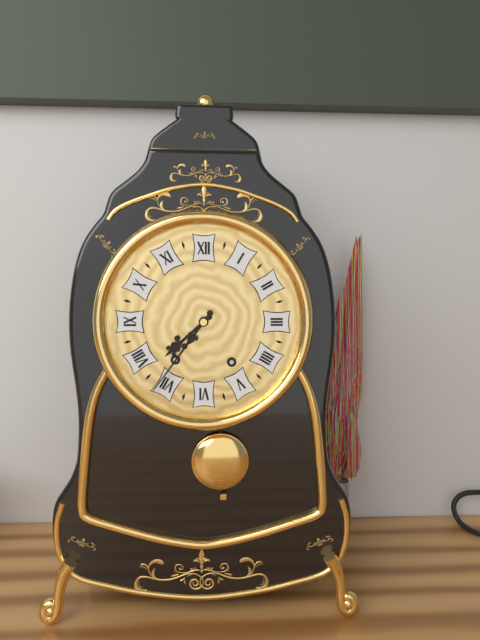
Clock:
7:36
